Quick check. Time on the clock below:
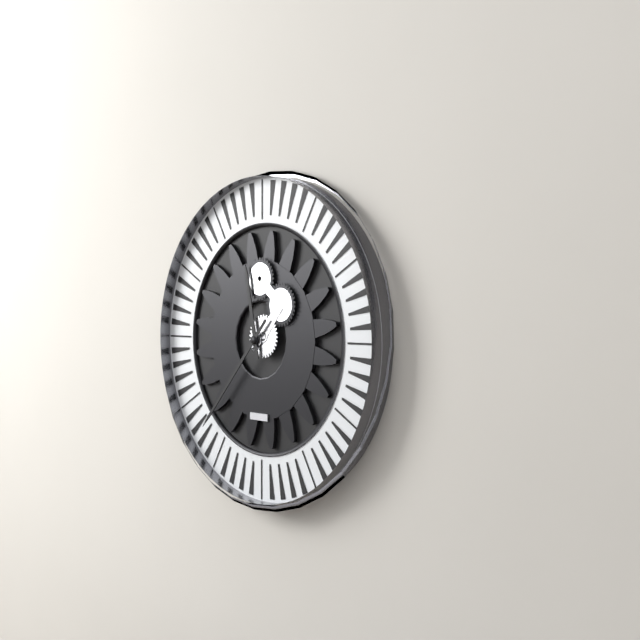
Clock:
11:37
